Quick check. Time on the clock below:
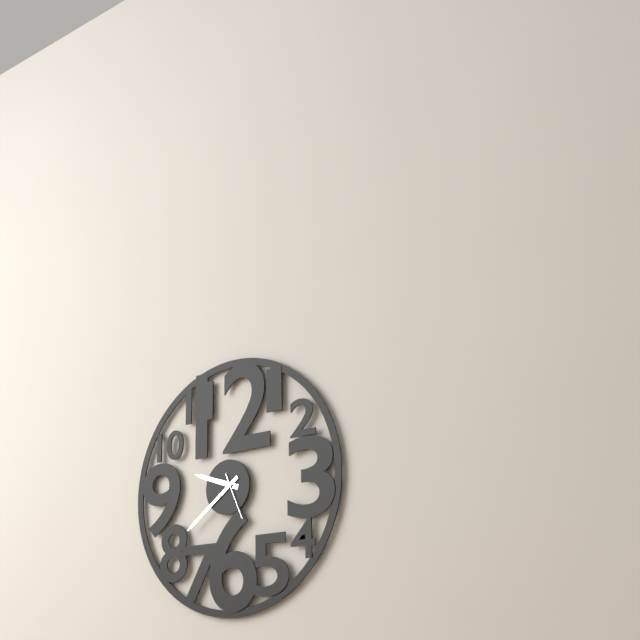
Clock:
9:39
